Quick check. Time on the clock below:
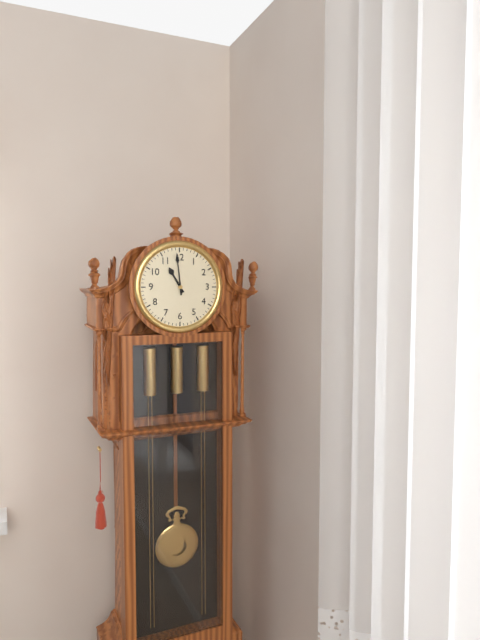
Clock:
10:59
